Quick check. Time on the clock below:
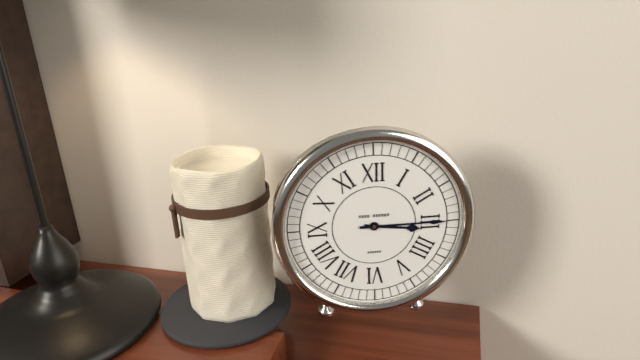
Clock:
3:15
